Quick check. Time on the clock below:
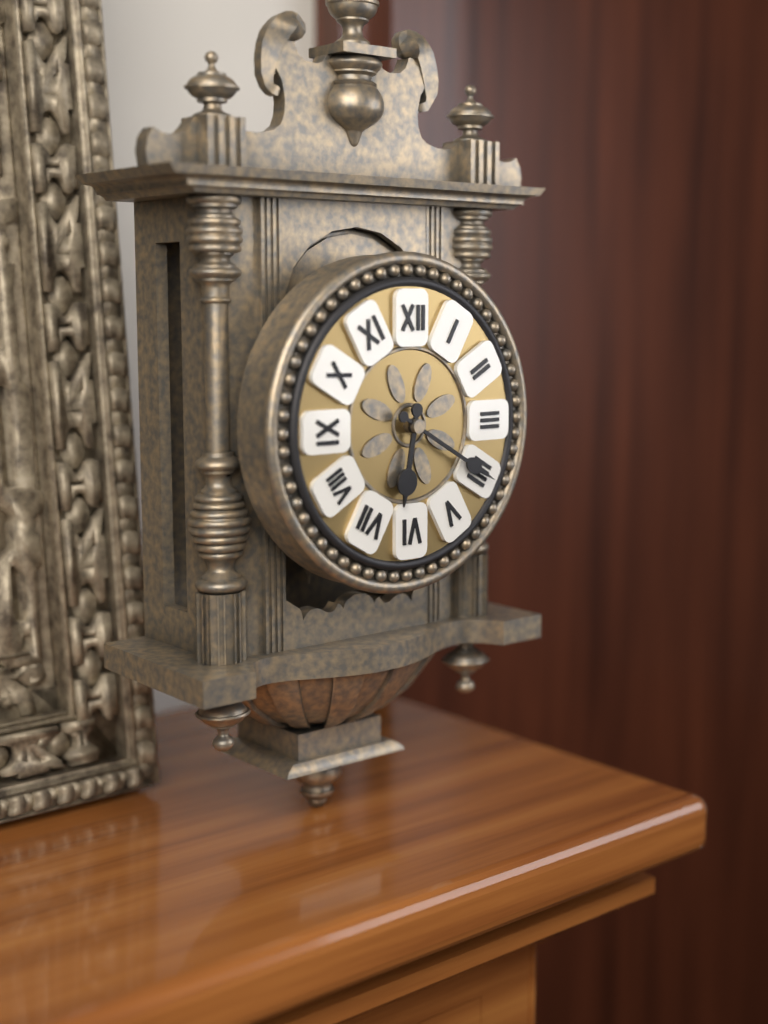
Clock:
6:20
